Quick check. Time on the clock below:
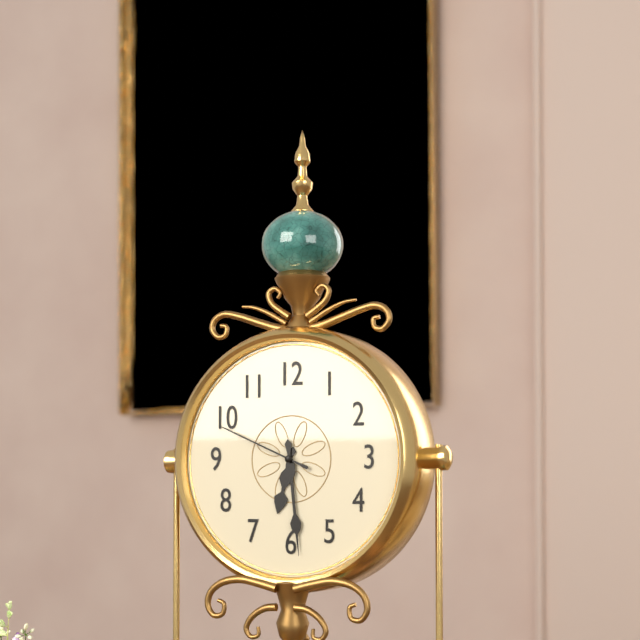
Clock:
6:29:49
